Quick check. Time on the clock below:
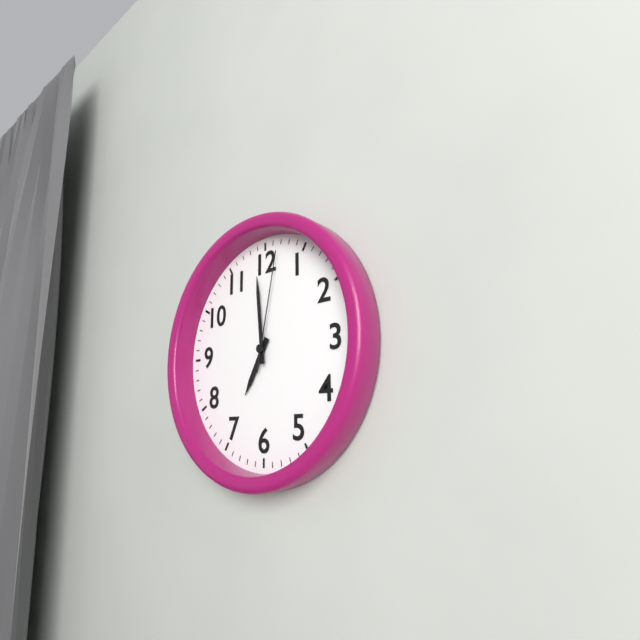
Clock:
6:59:02
